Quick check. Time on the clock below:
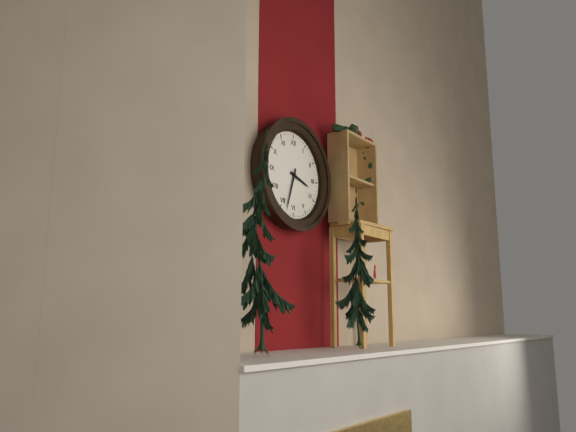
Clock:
3:33
